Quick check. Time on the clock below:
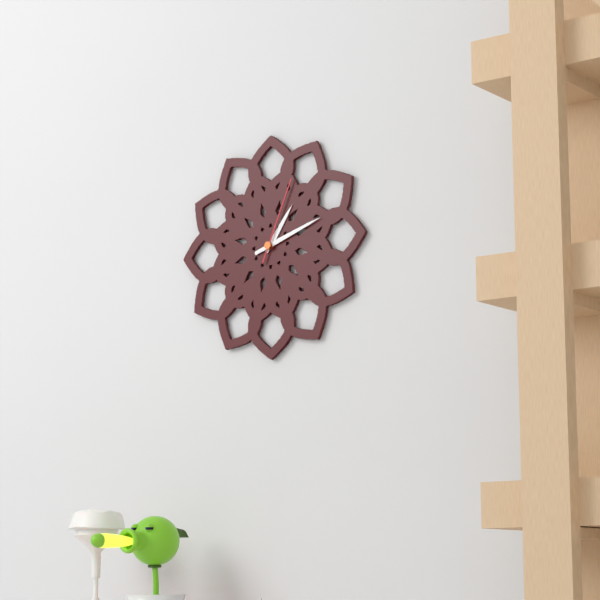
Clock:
1:12:04
